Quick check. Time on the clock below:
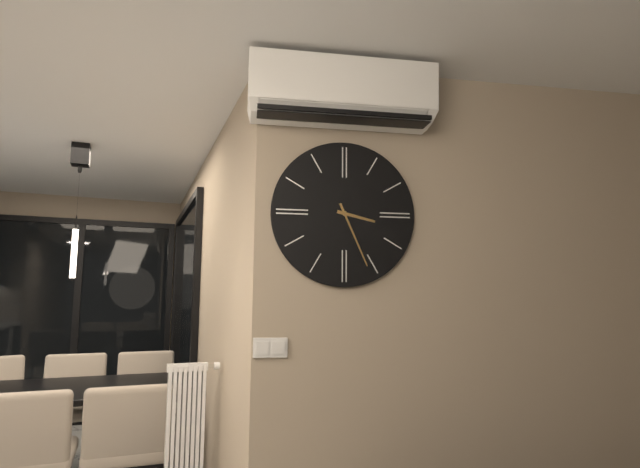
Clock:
3:26
